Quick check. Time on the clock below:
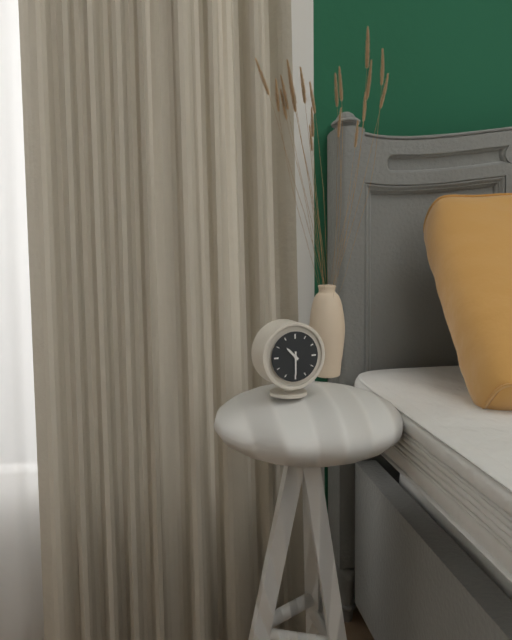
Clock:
10:30
